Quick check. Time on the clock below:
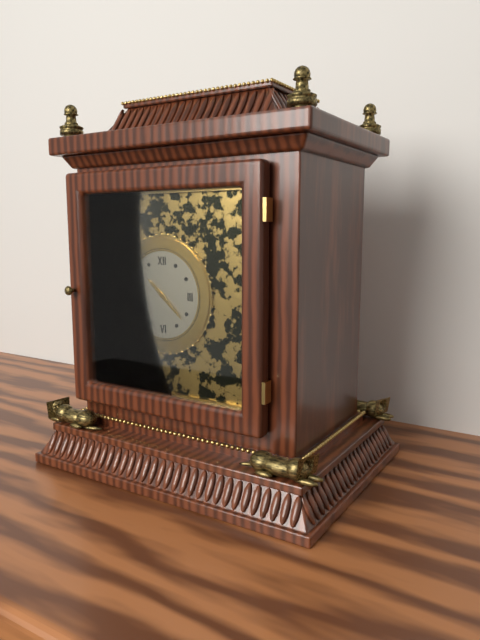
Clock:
10:22
